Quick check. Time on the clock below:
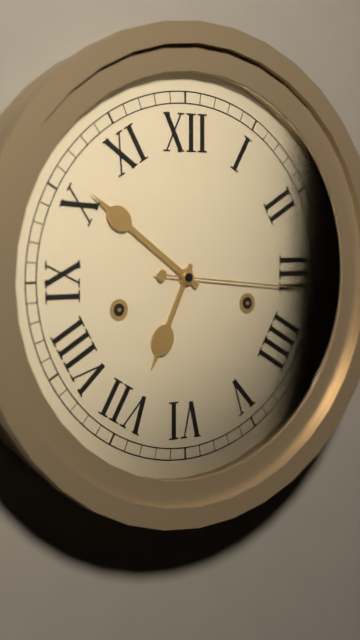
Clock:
6:51:16
